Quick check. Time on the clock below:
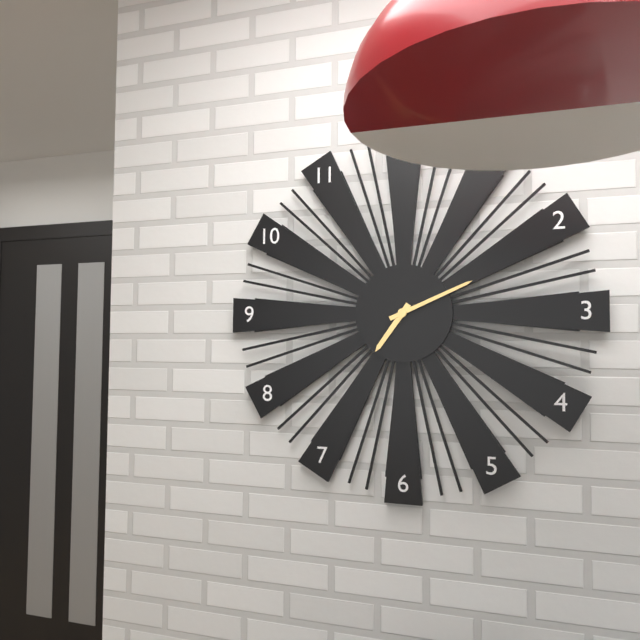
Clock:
7:11
